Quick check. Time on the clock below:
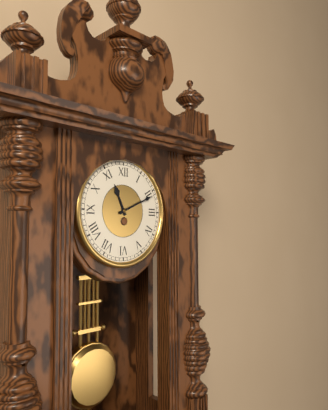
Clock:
11:11
